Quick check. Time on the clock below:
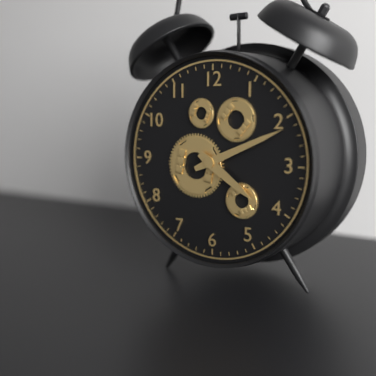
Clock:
4:11
